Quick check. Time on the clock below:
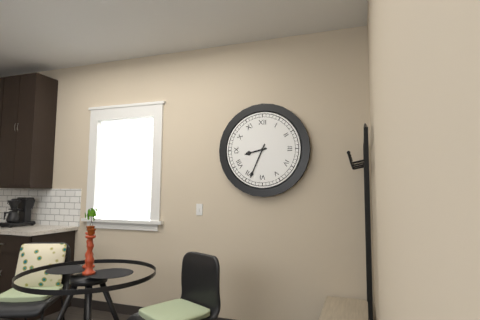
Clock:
8:34
